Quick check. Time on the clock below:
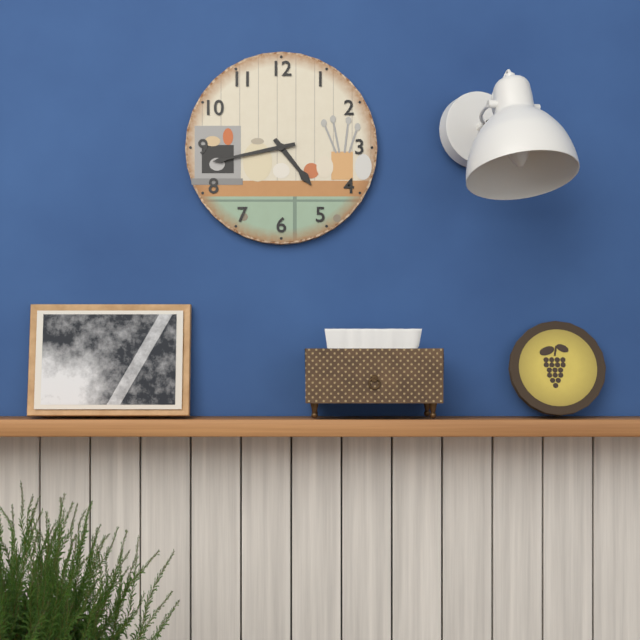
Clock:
4:43
